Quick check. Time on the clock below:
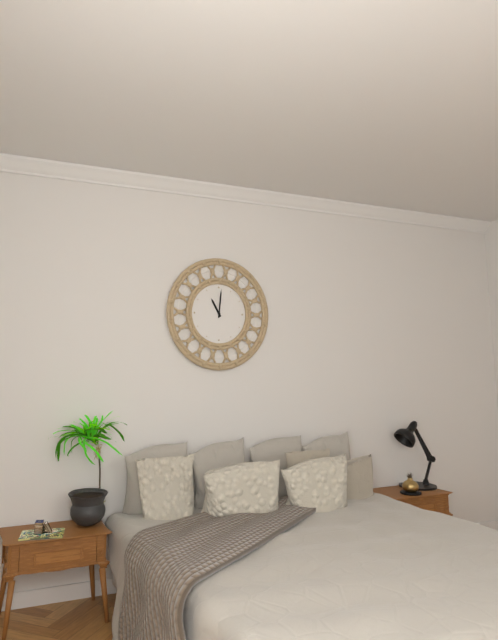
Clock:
11:01
